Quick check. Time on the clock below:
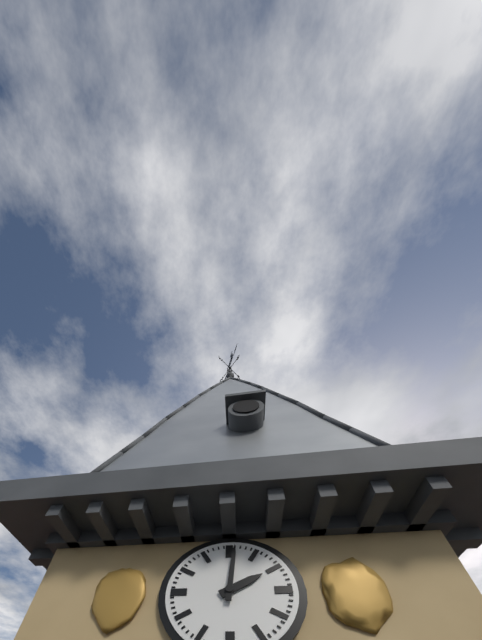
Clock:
2:01
